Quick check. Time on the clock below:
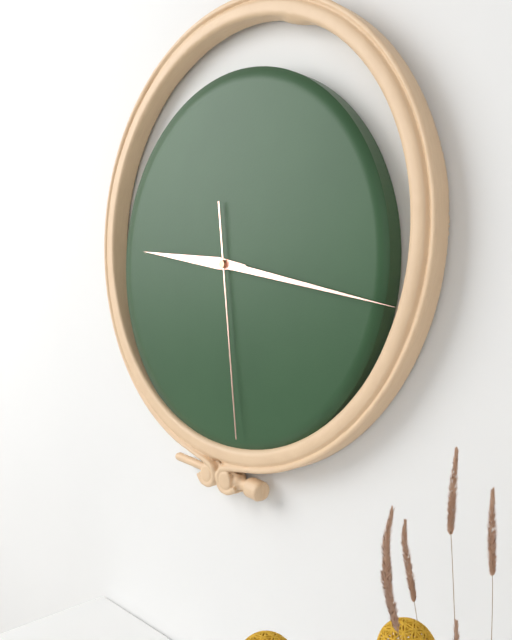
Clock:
9:17:29
